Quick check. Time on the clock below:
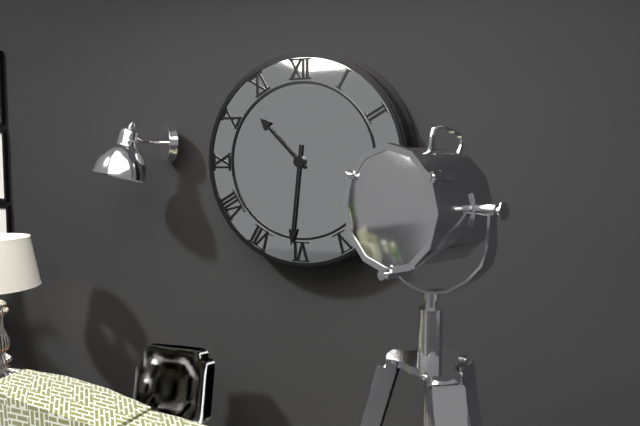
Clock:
10:31
